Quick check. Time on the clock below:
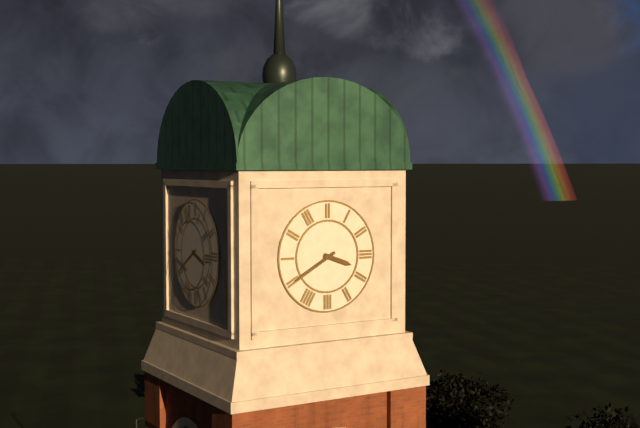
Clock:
3:40
